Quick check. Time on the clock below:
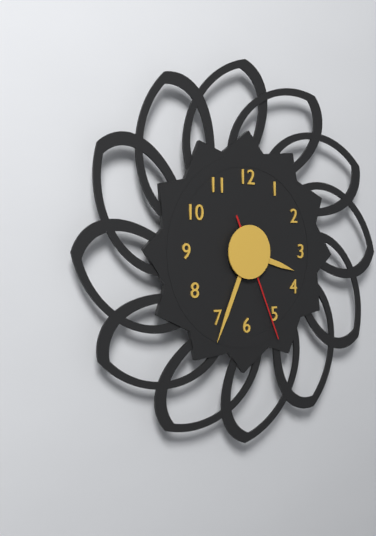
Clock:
3:34:26
